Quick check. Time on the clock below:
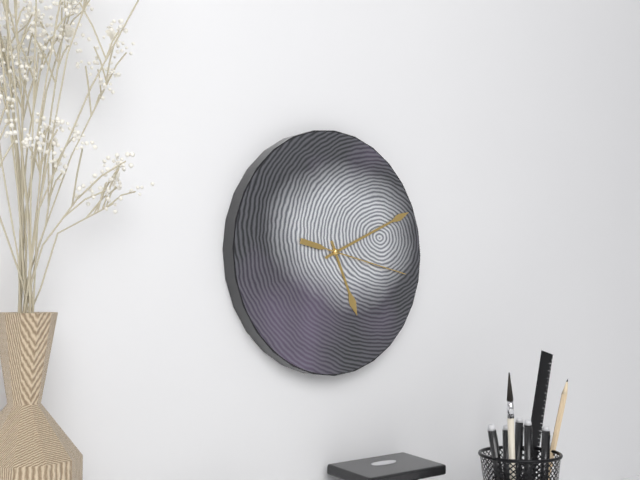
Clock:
5:11:17
